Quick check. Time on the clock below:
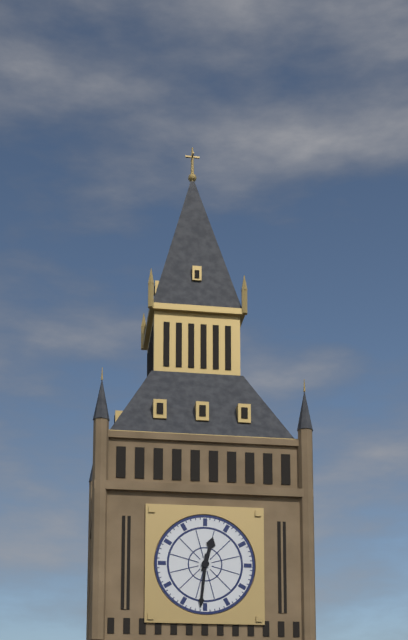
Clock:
12:31
